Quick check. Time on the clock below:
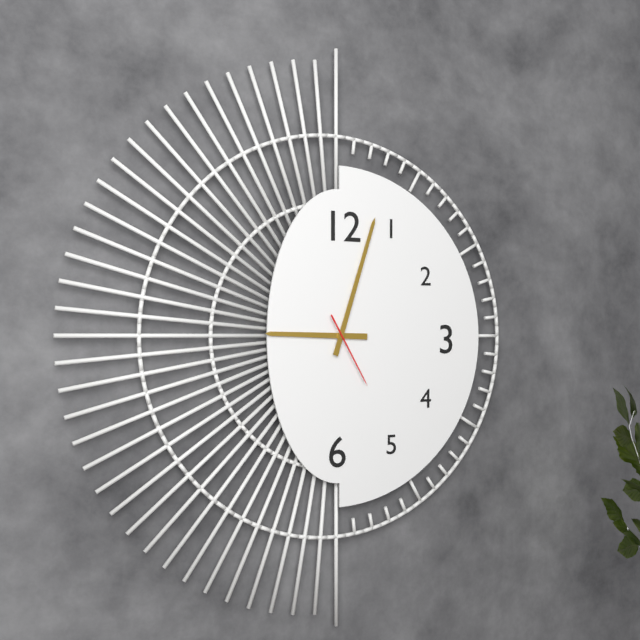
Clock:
9:03:25
